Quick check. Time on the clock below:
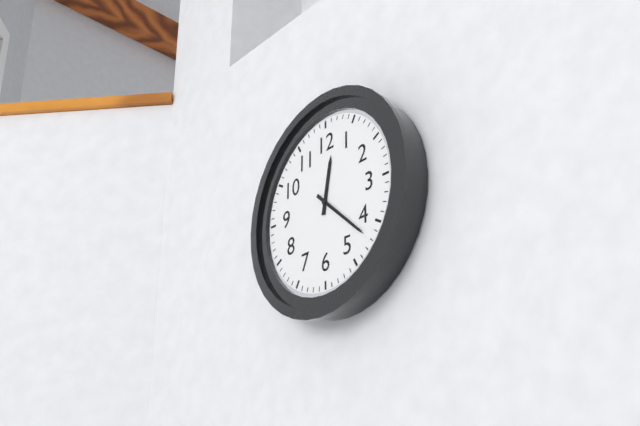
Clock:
12:22
